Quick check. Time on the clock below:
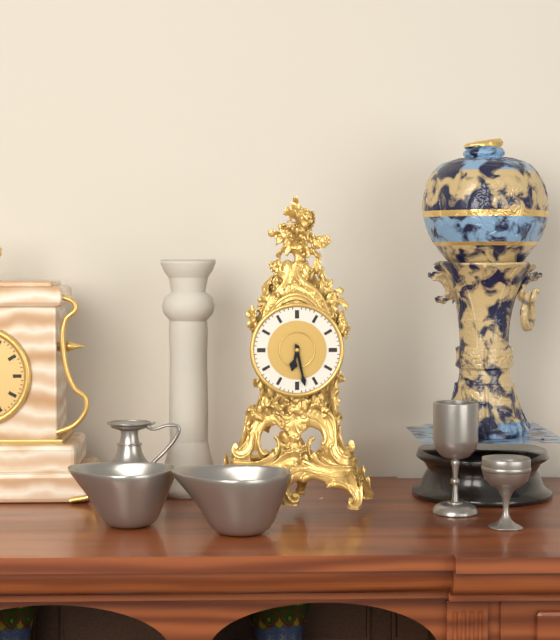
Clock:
6:28
